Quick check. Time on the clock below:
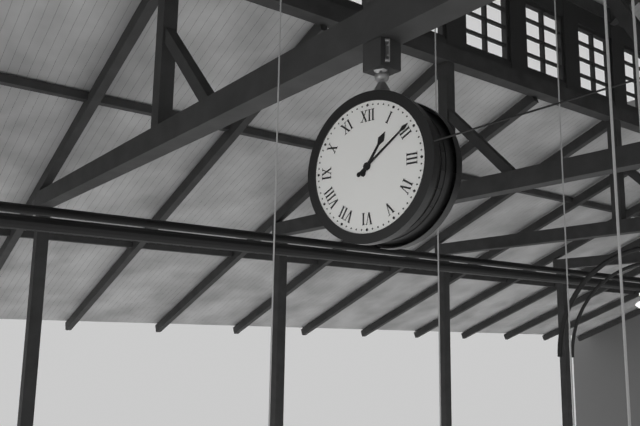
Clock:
1:09
